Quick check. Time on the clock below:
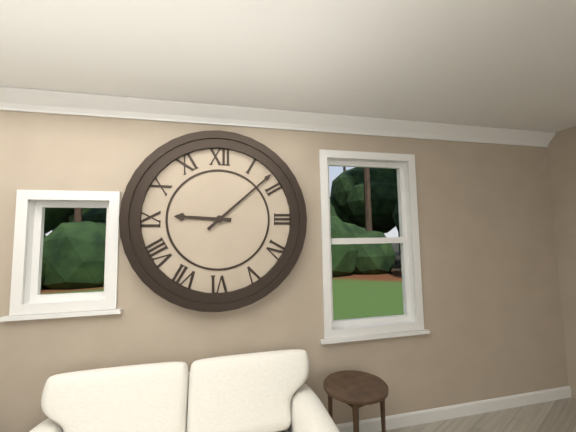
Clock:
9:08
